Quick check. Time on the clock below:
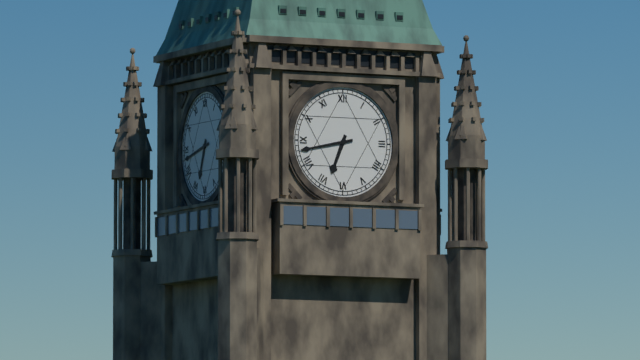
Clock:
6:43
